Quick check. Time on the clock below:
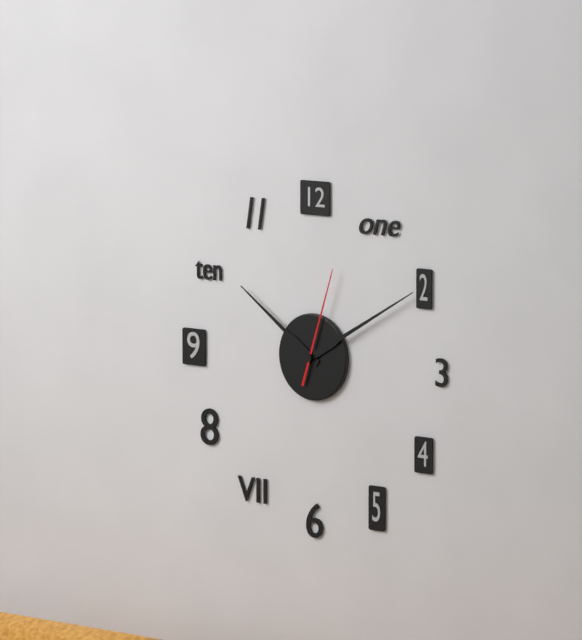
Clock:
10:10:03
